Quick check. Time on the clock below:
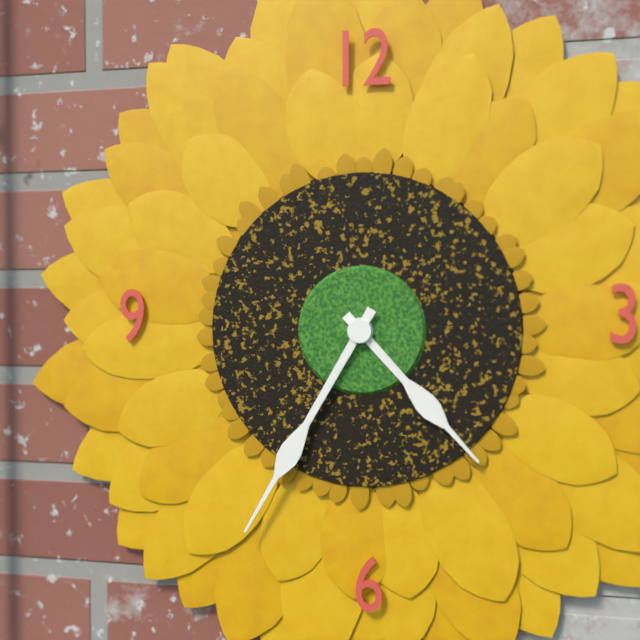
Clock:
4:35
